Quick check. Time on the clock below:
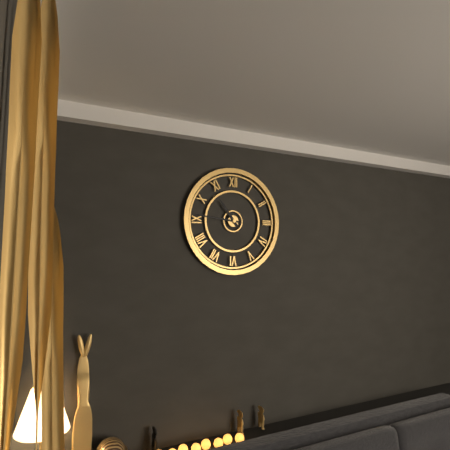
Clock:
10:46
